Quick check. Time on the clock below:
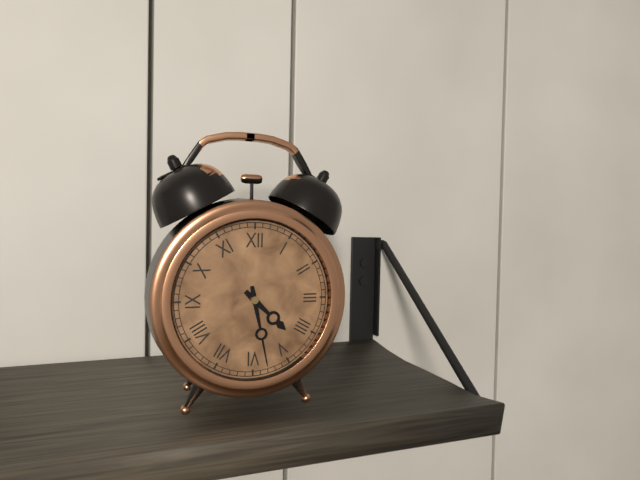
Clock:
4:28
